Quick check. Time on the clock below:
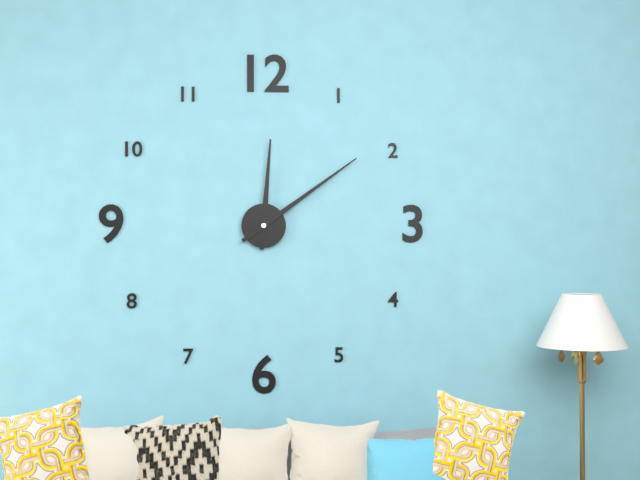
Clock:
12:09
